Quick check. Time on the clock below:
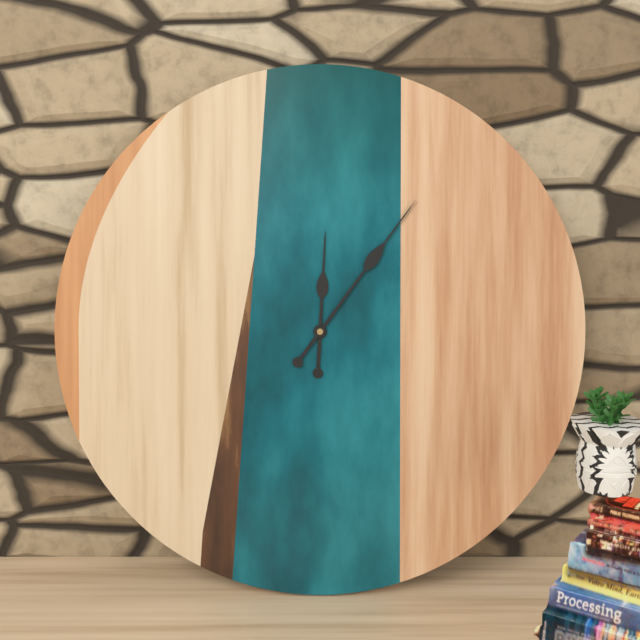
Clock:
12:06
